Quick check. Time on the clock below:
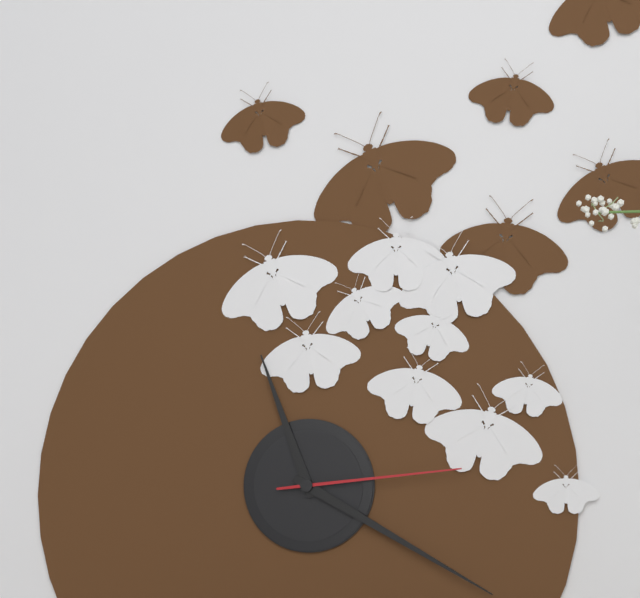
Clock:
11:20:14
